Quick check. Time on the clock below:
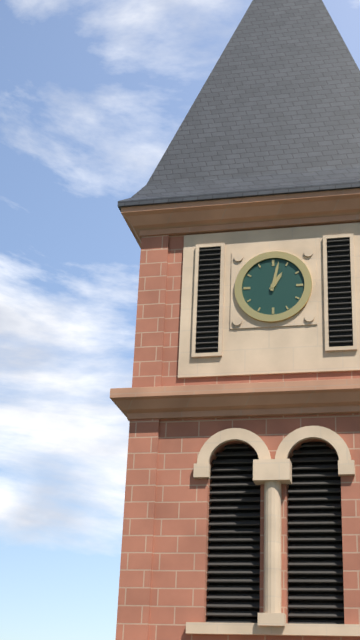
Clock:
1:02
